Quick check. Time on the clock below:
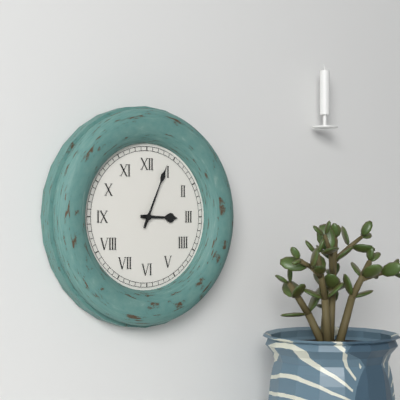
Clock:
3:04
